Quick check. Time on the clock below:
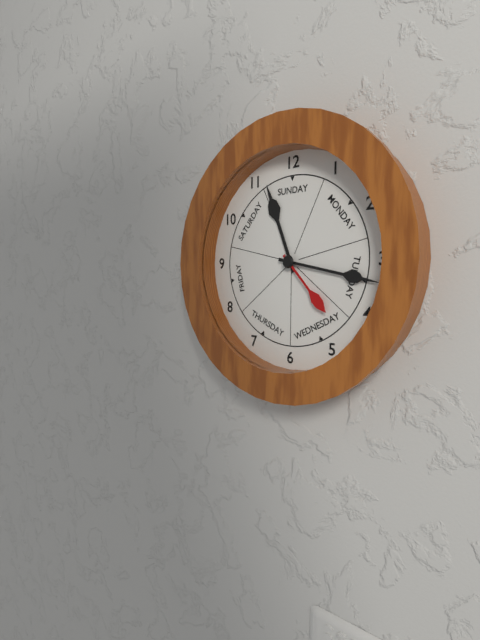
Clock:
11:17:23
